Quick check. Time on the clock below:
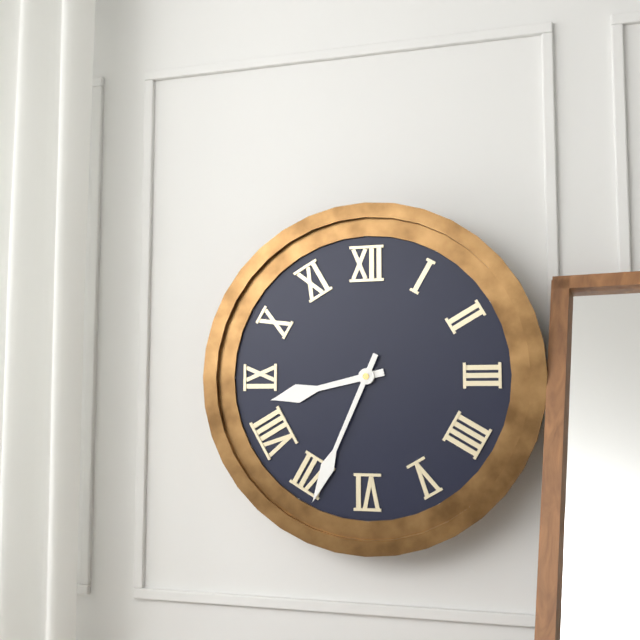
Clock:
8:34
